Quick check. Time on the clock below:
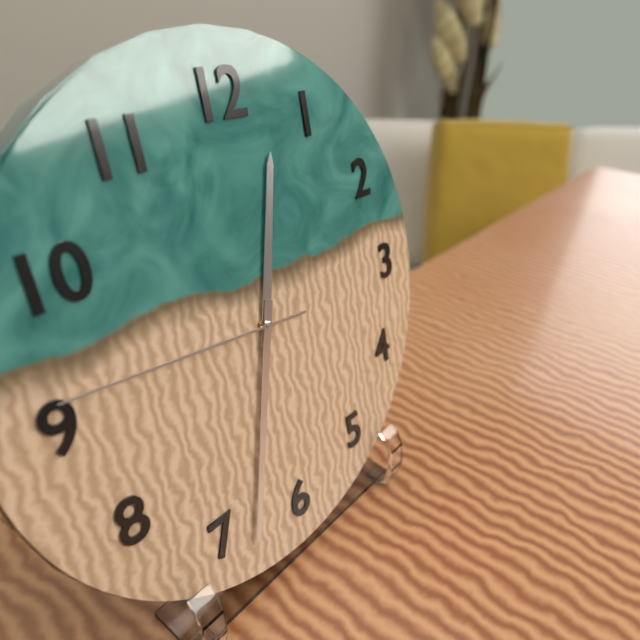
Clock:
12:33:46
